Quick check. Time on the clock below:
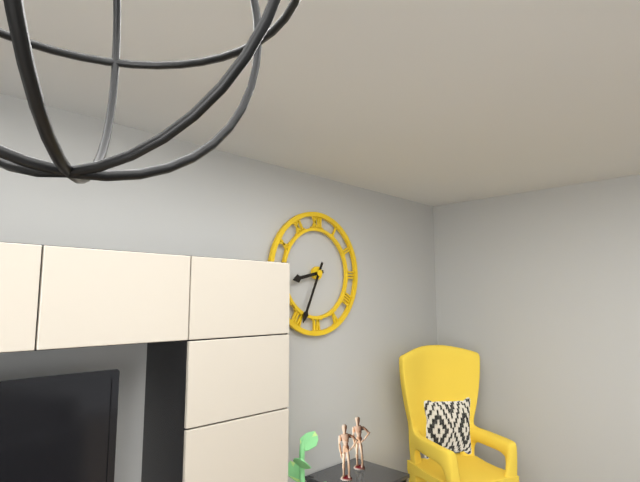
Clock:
8:34
